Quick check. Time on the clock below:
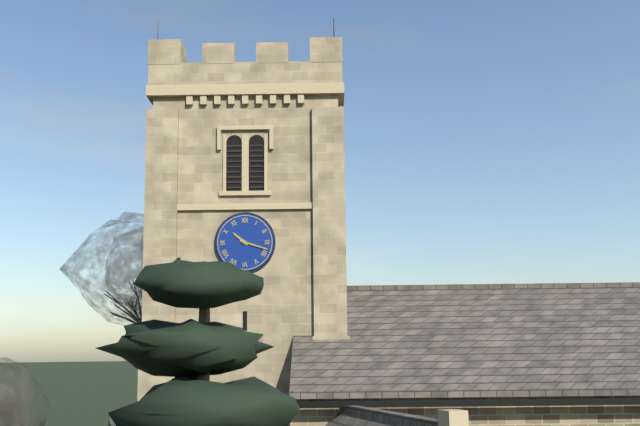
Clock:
10:18
